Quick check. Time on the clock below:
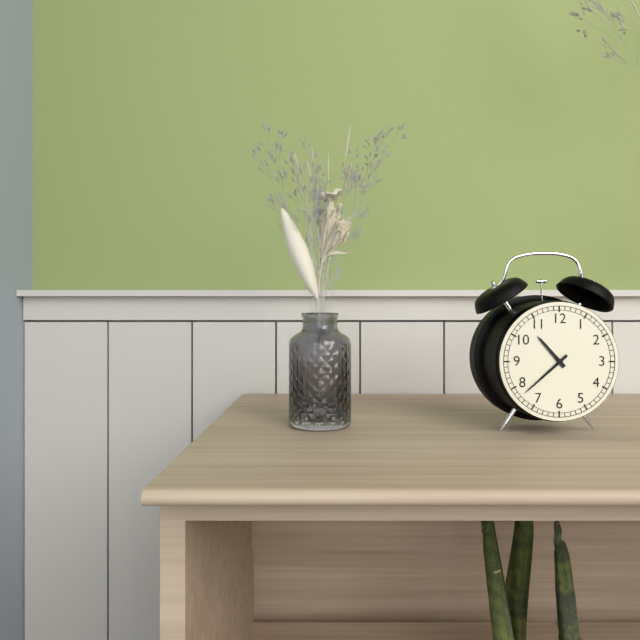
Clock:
10:38
